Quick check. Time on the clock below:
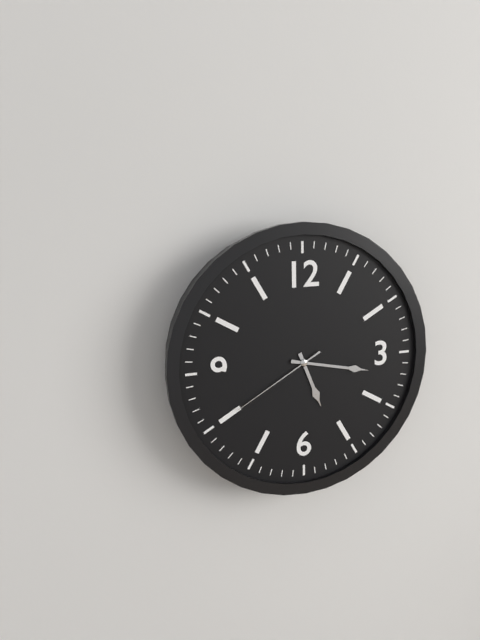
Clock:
5:17:40
